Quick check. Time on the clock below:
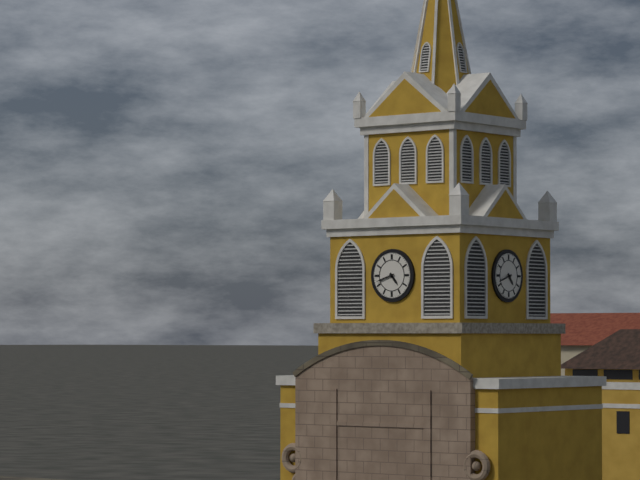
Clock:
4:42
